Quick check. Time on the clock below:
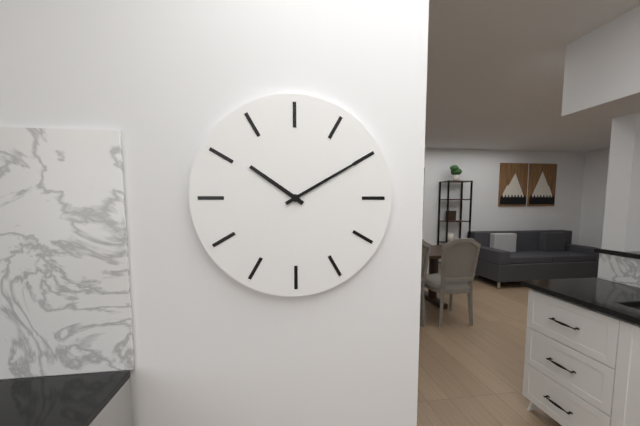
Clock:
10:10
